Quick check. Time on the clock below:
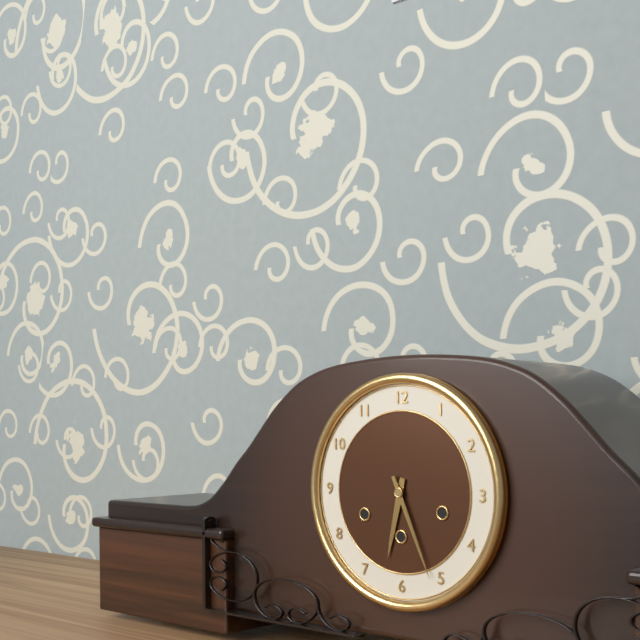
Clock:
6:26
